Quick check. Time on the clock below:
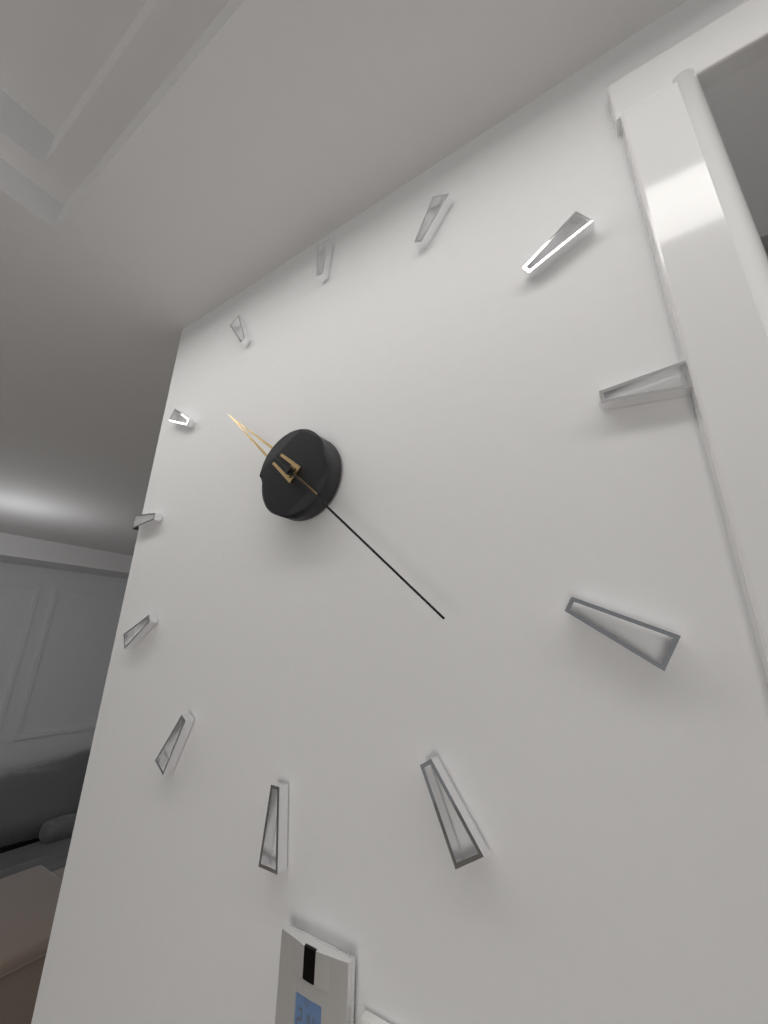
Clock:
10:22
